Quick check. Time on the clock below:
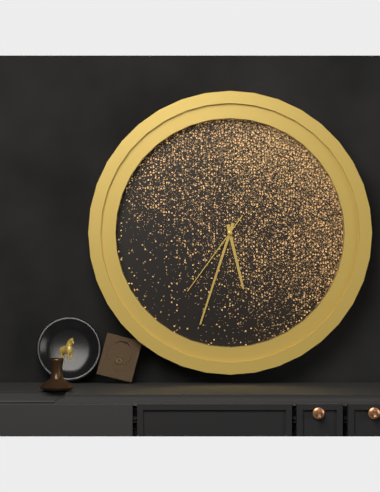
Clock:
5:33:36
